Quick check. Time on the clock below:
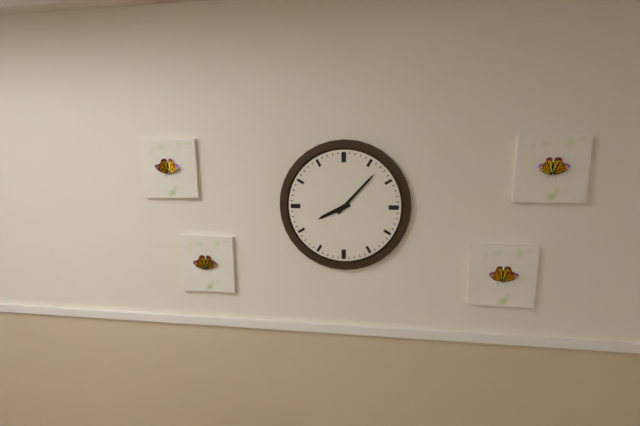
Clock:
8:07
